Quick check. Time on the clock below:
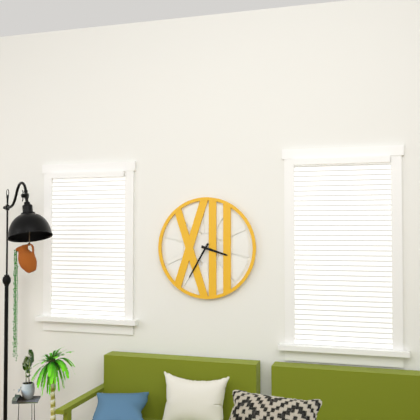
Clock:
3:35
